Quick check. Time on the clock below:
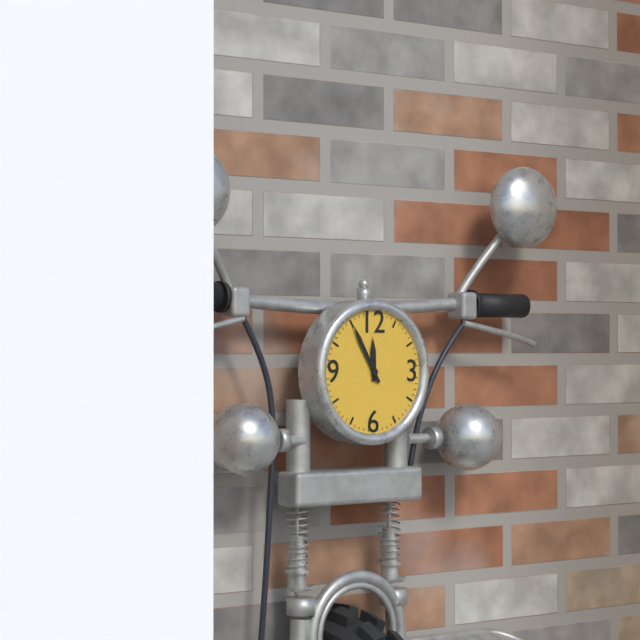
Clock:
11:55
